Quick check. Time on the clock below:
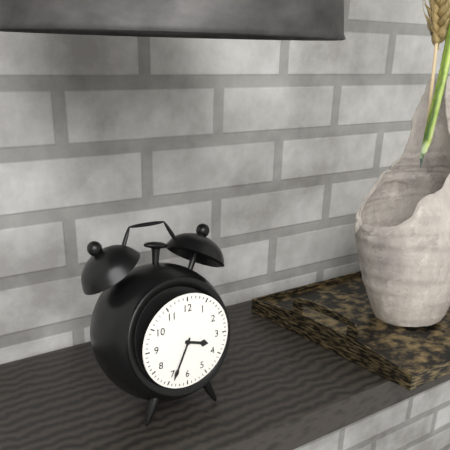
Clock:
3:34
